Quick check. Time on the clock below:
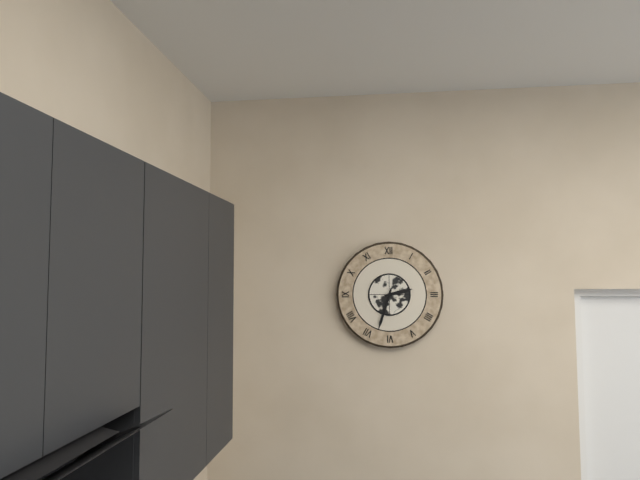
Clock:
2:33
